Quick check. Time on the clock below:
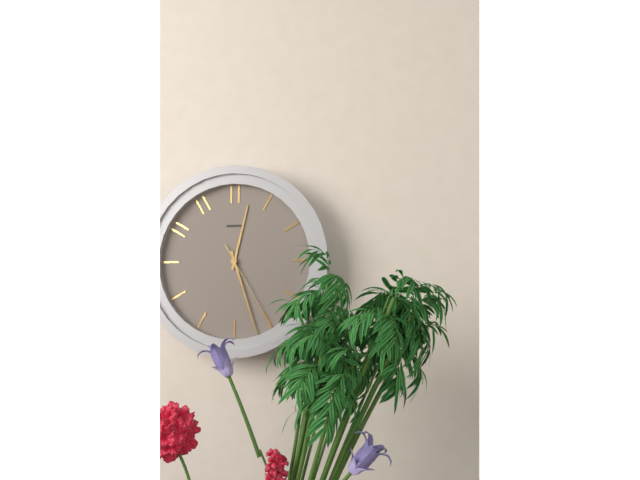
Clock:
12:27:25
